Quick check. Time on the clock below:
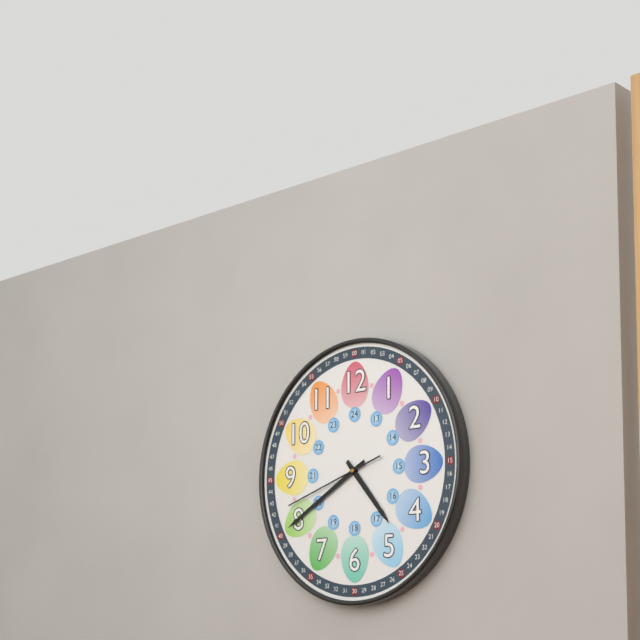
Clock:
4:40:42
